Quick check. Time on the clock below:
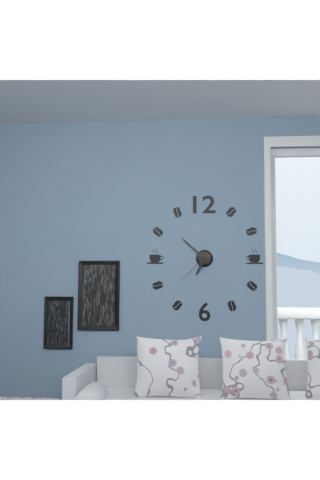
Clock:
6:52
